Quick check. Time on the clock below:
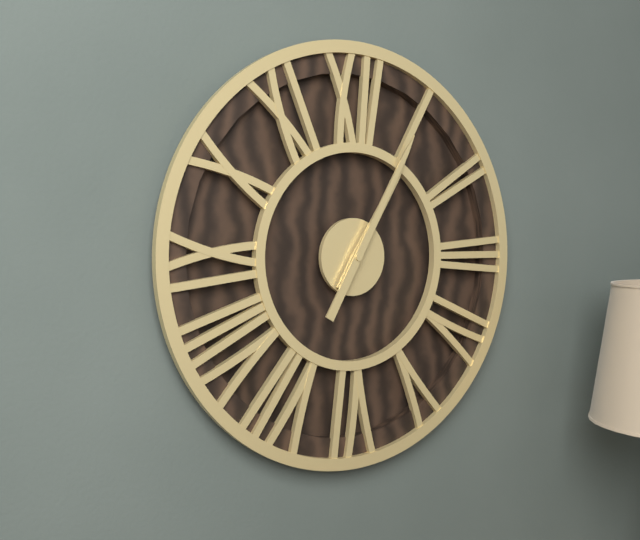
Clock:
1:05
